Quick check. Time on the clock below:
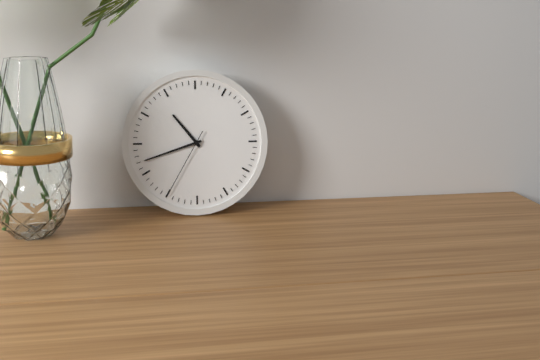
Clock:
10:42:35
